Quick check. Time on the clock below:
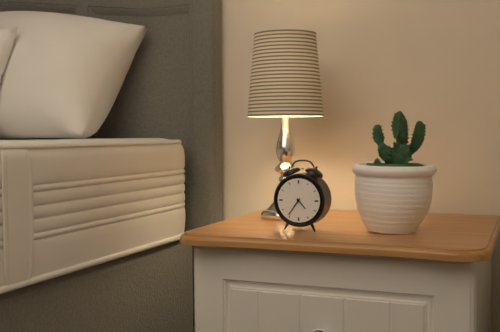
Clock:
4:36
